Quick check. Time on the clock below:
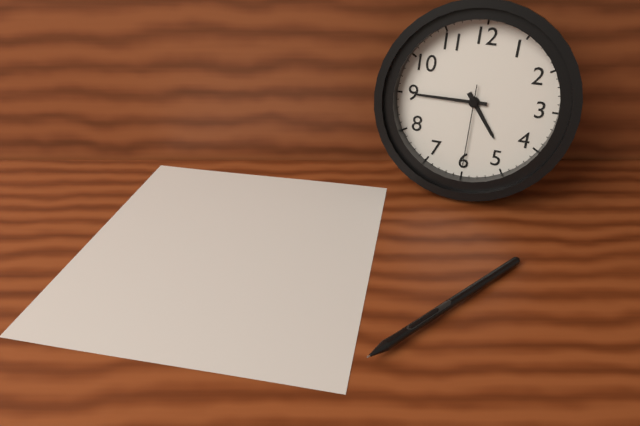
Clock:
4:45:30
